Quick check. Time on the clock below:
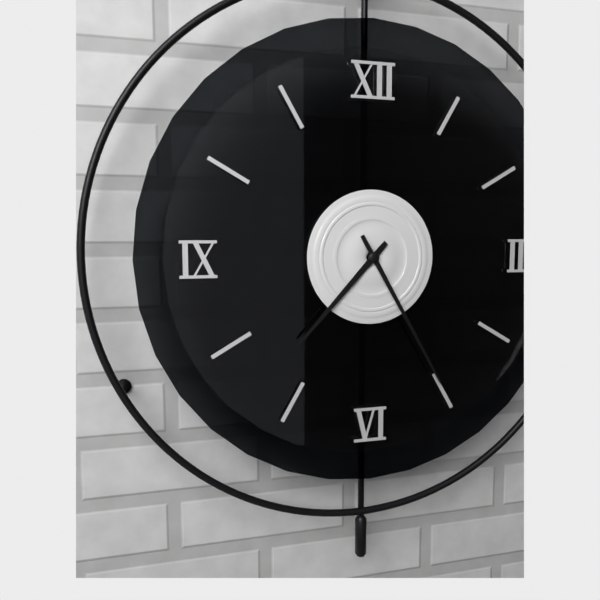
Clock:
7:25
